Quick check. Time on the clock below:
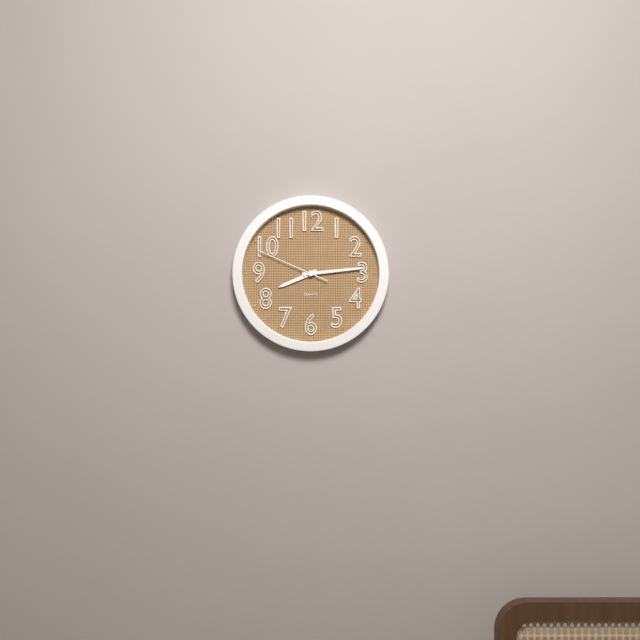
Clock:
8:14:49
